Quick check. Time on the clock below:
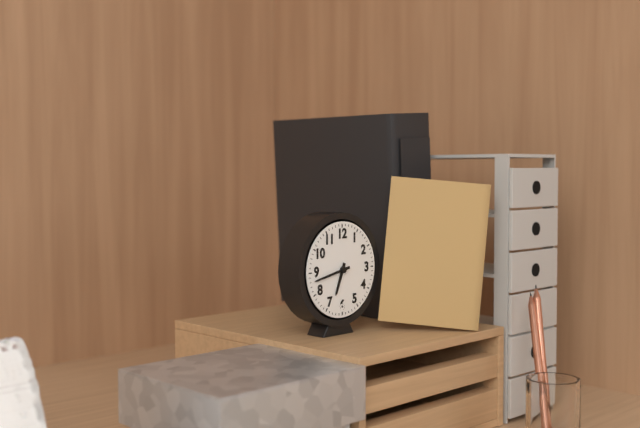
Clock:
6:43
